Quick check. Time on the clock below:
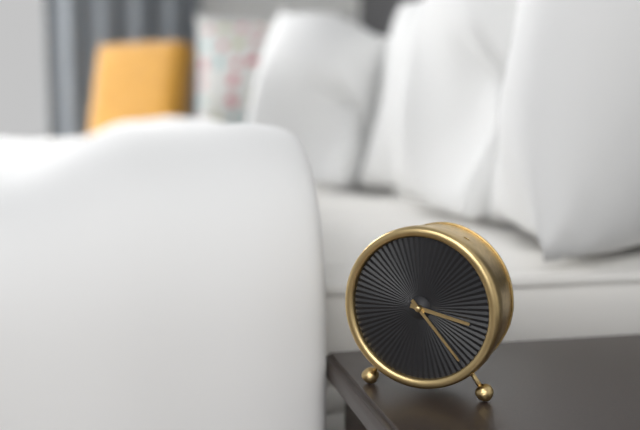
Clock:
3:23
